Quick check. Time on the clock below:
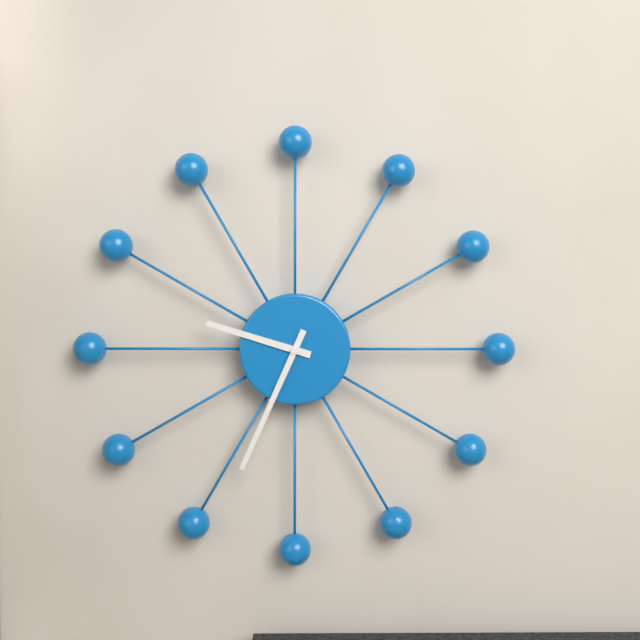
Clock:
9:34
